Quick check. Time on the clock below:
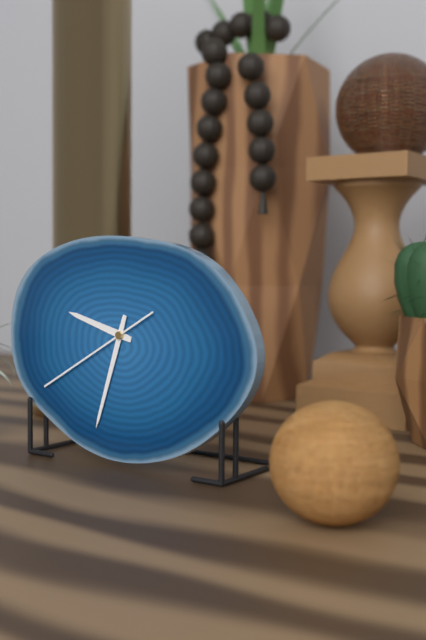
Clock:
9:33:40
